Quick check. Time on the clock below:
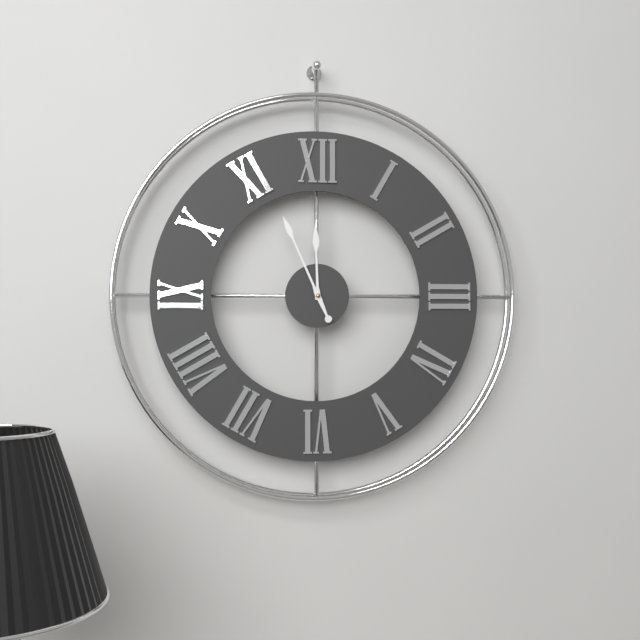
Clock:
11:56
